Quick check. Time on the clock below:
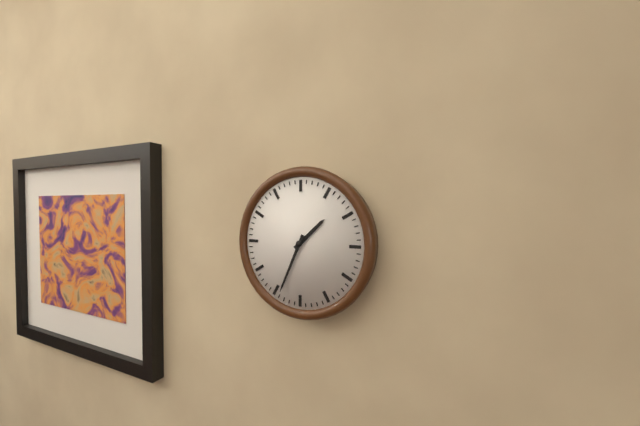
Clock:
1:34
